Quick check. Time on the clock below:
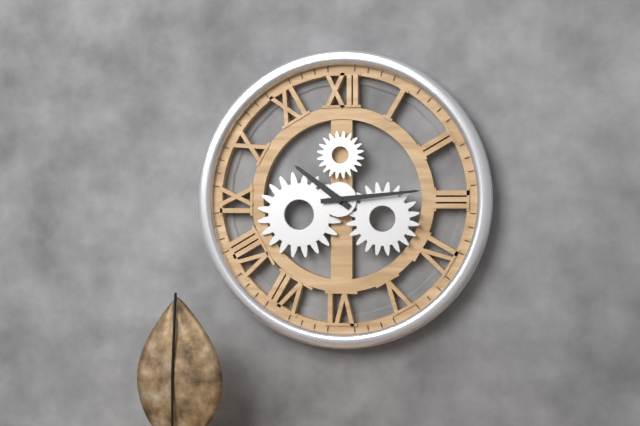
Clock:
10:14
